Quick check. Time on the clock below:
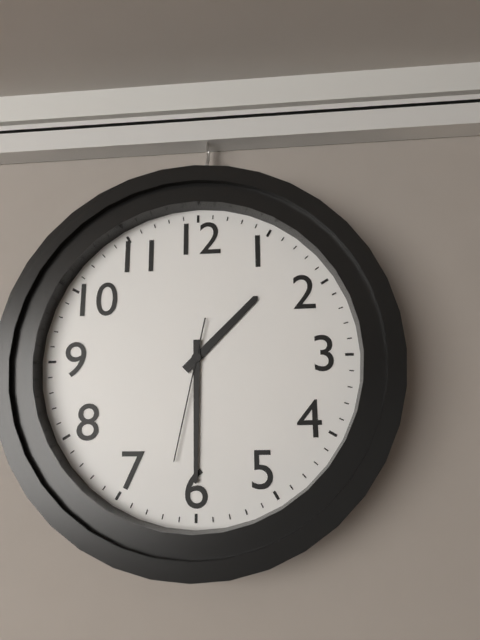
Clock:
1:30:32
